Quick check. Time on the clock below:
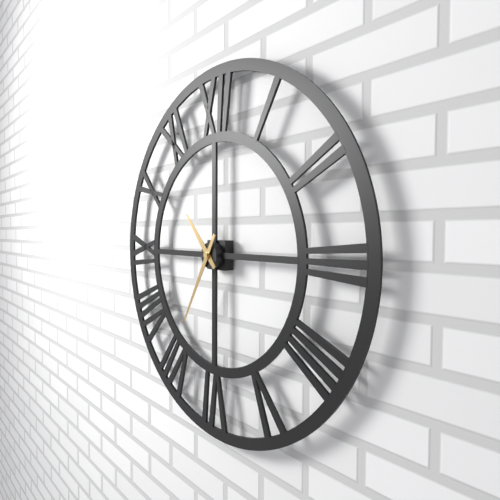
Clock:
10:35
